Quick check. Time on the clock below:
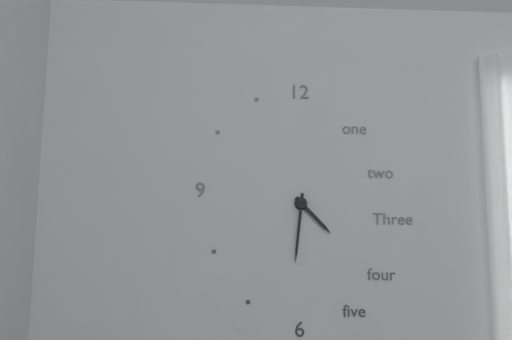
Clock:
4:31
